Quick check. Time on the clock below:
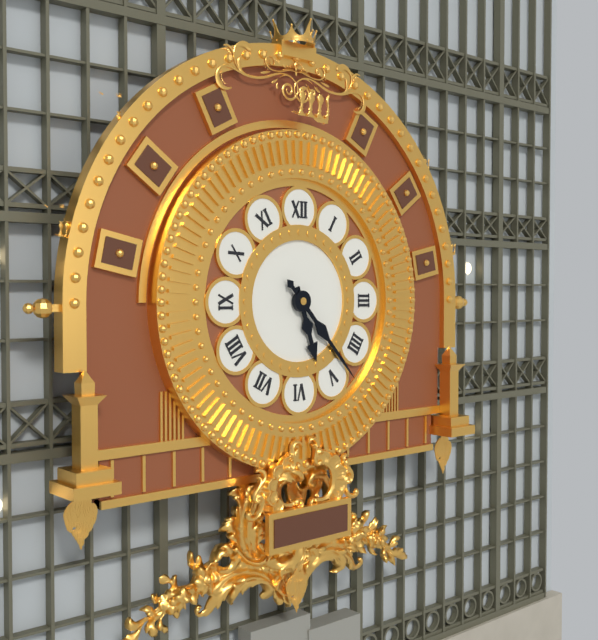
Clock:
5:23
